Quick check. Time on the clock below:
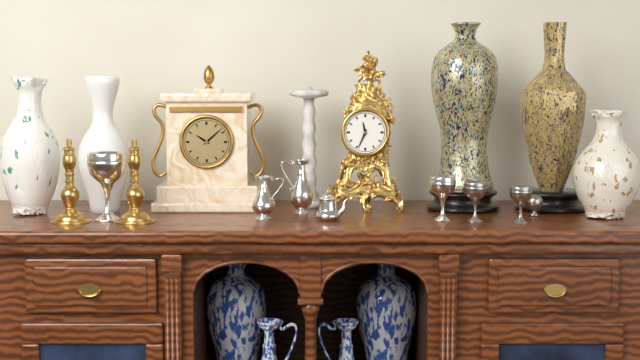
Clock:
11:34
